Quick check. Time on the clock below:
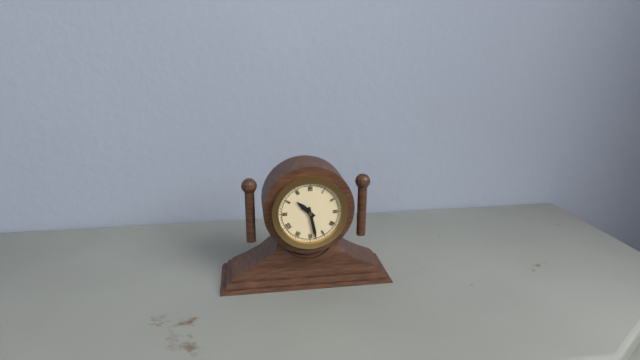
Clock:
10:28
